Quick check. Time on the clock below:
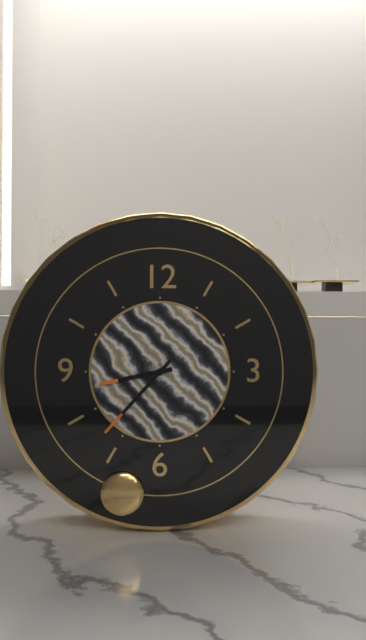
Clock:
8:37
